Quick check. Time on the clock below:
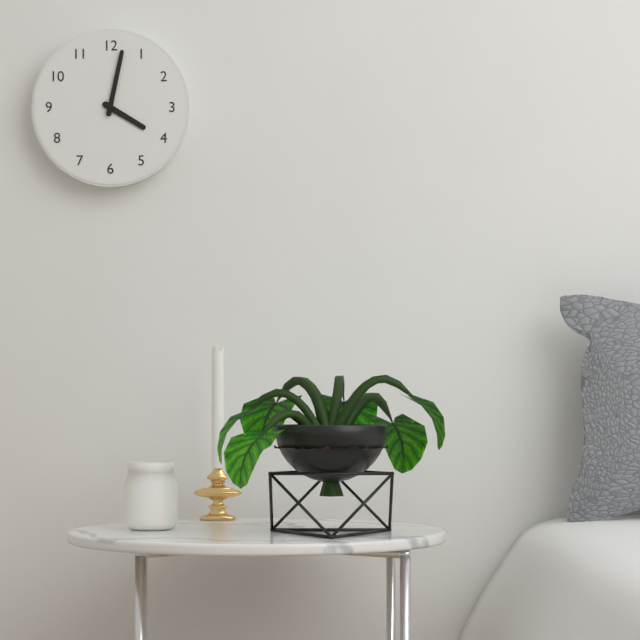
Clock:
4:02
